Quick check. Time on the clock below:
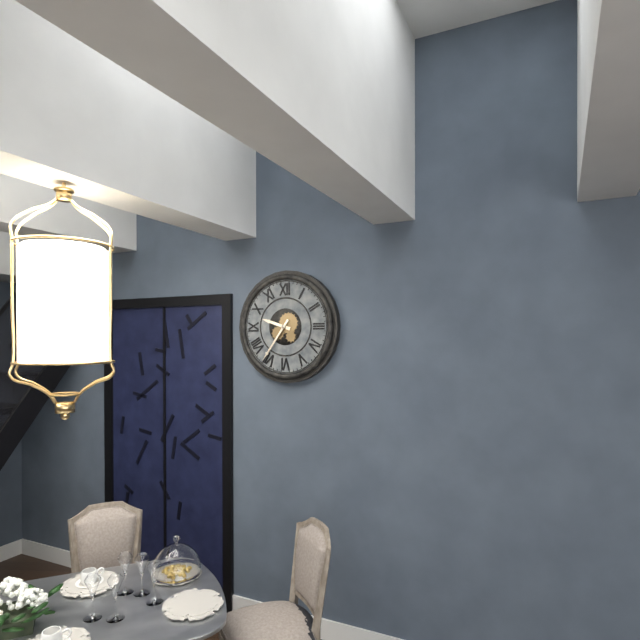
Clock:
9:36
